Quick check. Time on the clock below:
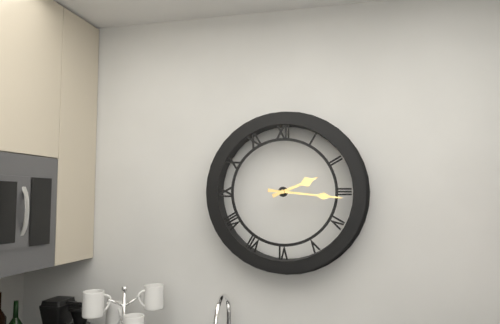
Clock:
2:16
